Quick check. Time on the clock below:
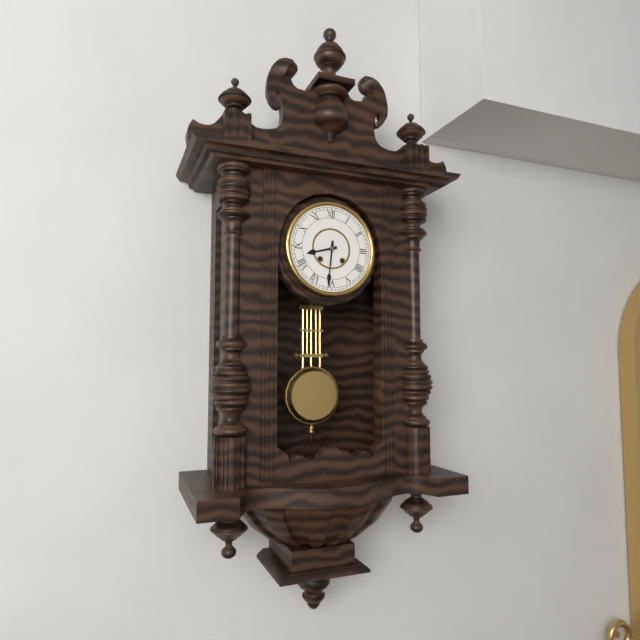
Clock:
8:31
